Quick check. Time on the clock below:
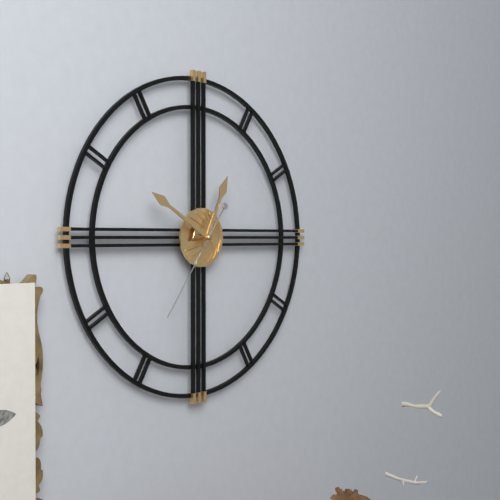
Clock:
12:50:36
